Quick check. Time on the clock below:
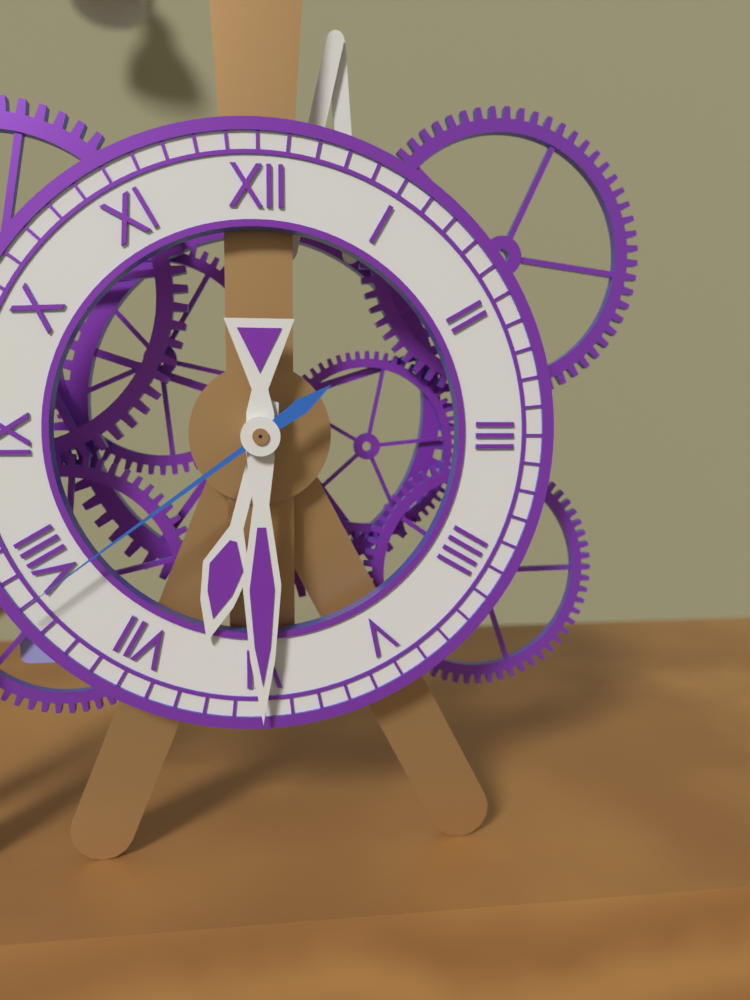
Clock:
6:30:39
